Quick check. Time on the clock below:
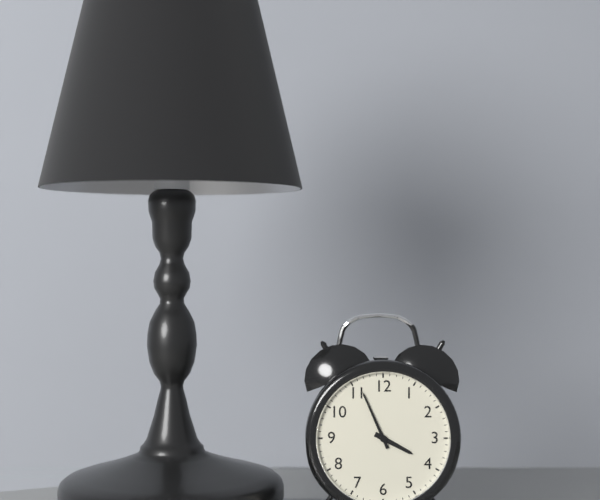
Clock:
3:56
